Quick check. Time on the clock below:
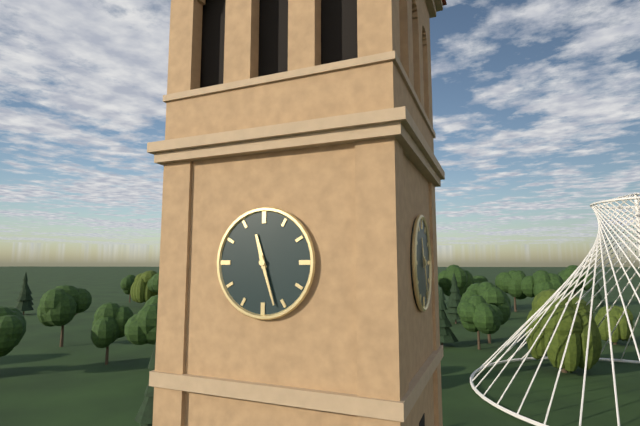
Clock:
11:27
